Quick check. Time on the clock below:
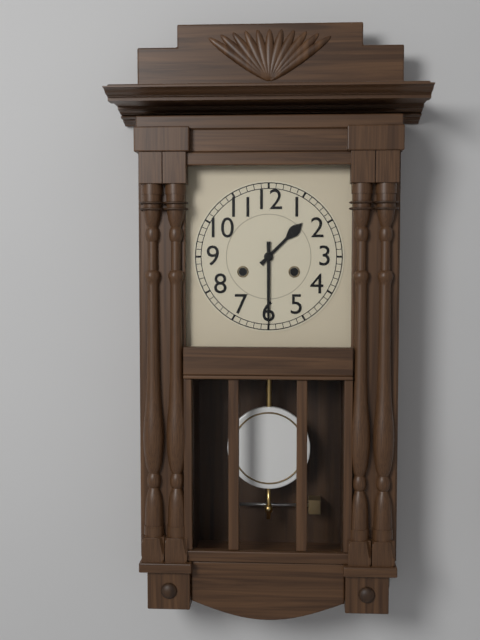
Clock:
1:30
